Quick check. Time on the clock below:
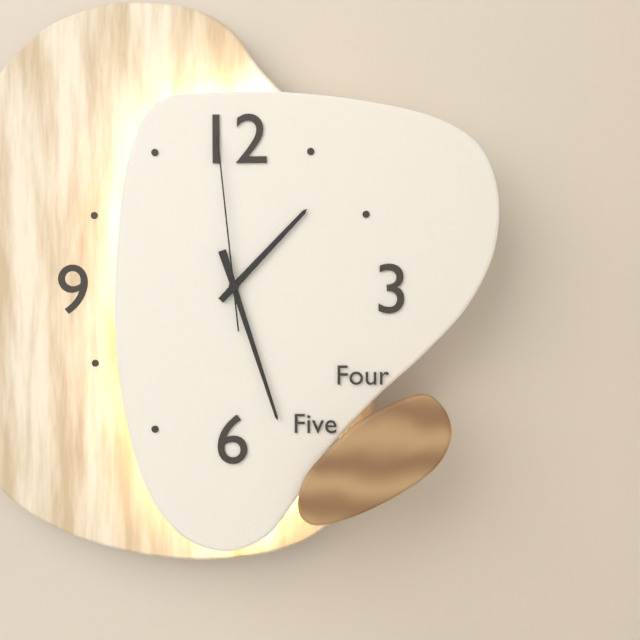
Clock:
1:27:59
